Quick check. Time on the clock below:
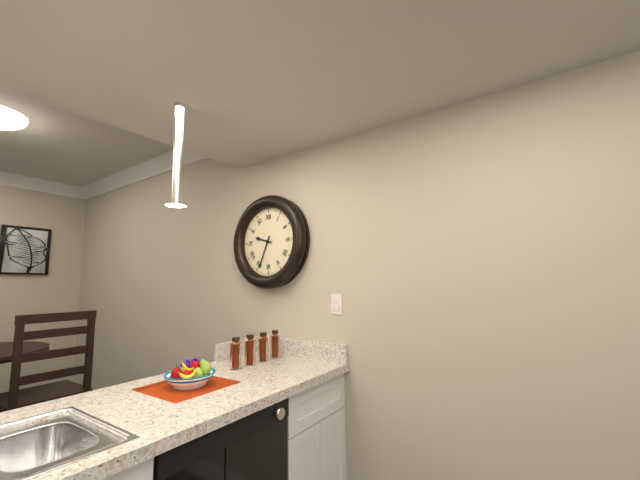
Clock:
9:34
